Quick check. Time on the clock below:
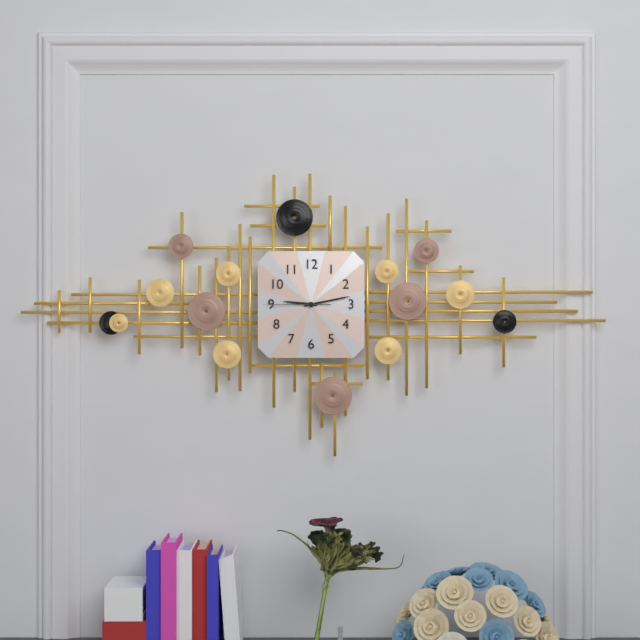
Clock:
9:13:45
